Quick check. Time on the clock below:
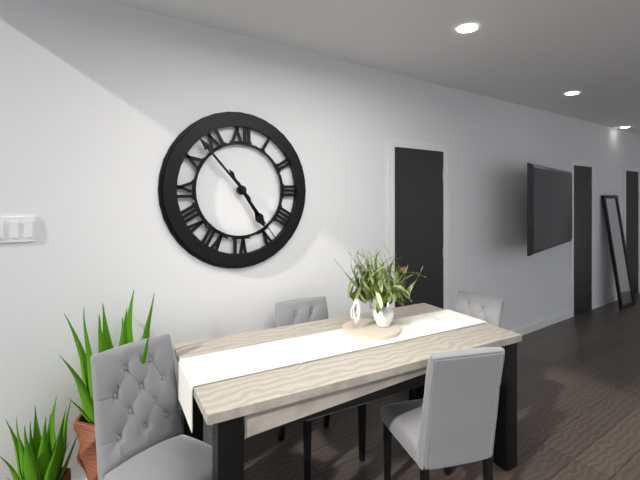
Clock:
4:53:24
